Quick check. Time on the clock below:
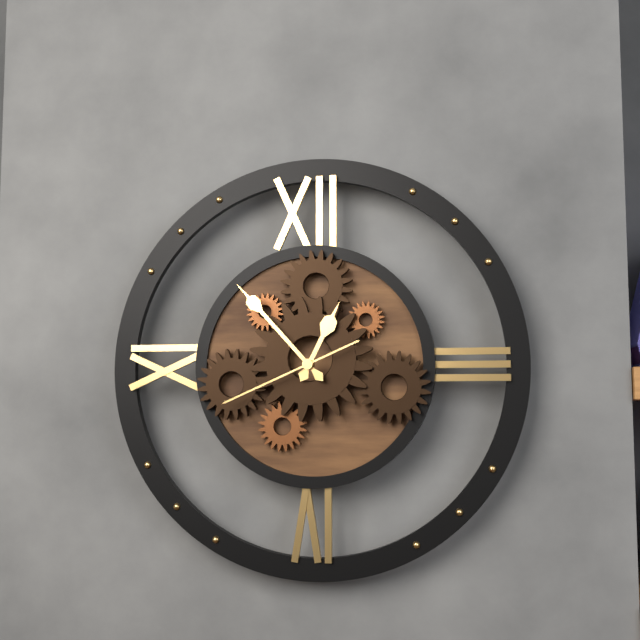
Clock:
12:53:41
